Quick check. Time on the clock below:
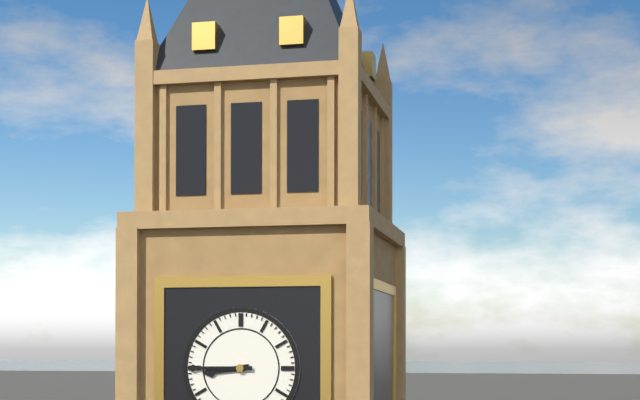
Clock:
8:45
